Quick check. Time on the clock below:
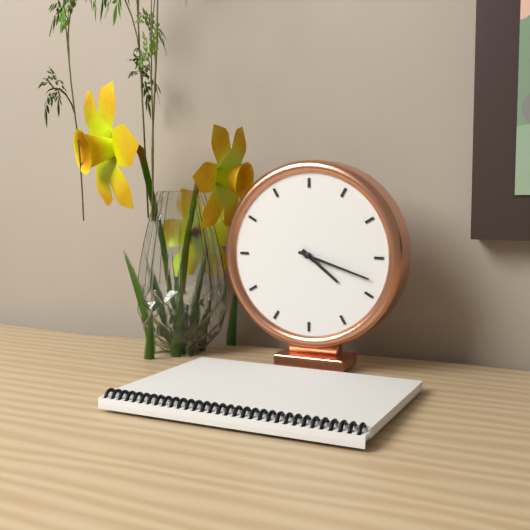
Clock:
4:18
